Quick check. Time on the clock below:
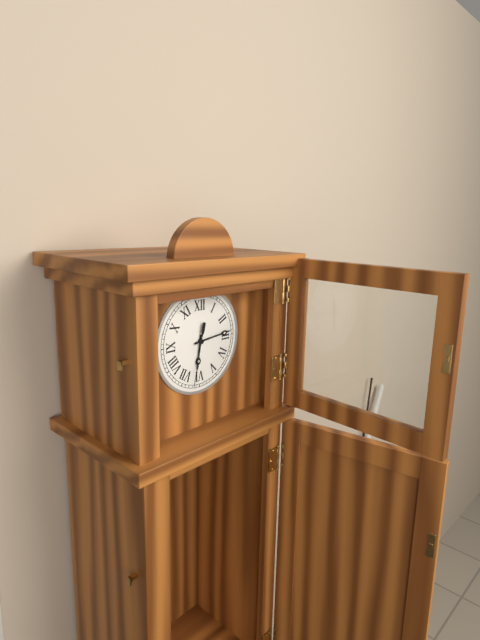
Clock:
6:14:32
